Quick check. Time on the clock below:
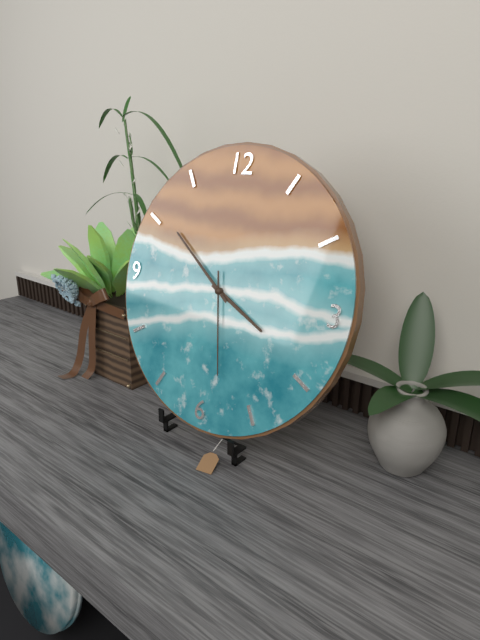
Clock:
3:51:28
